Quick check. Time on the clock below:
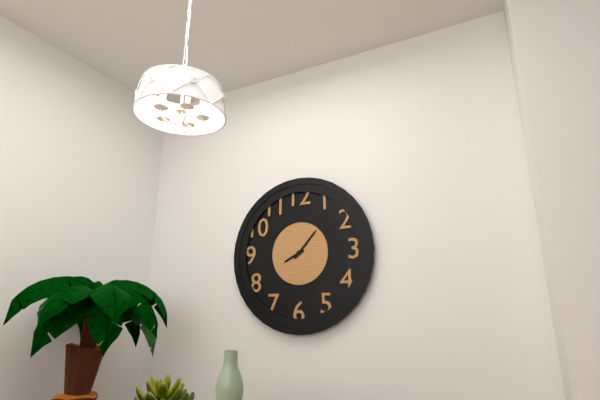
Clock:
8:07
